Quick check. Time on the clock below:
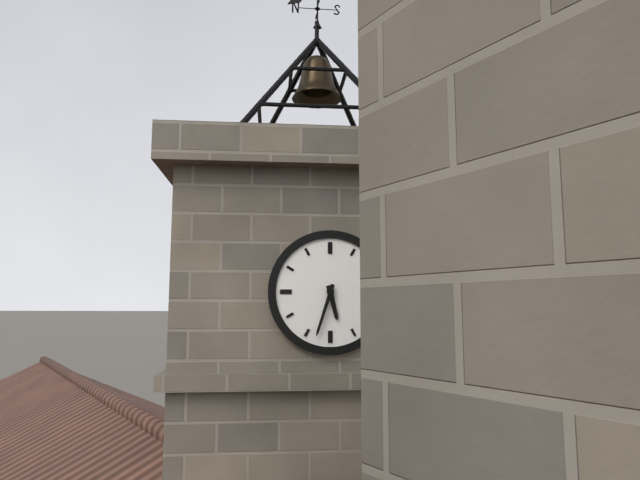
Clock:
5:33
